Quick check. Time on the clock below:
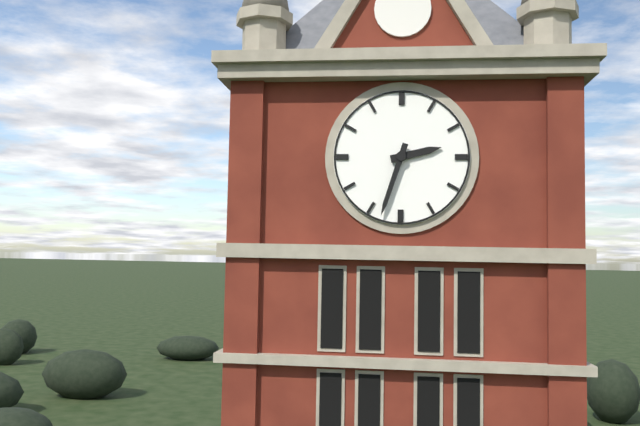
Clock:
2:33
